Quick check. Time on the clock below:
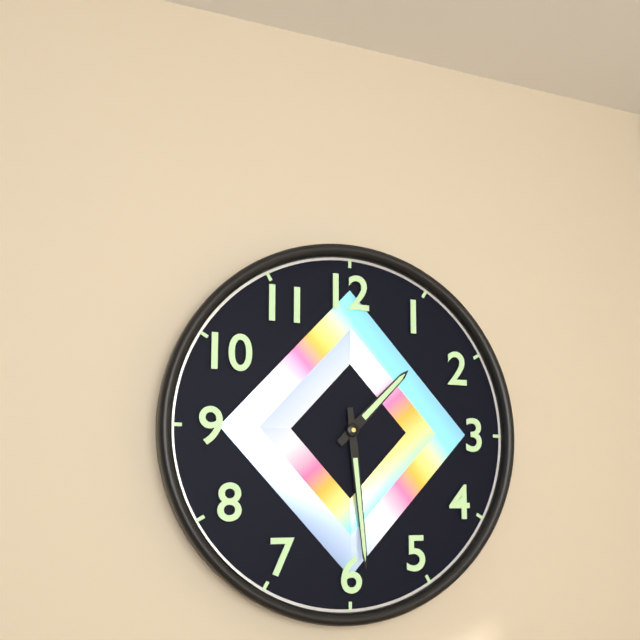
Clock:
1:29
